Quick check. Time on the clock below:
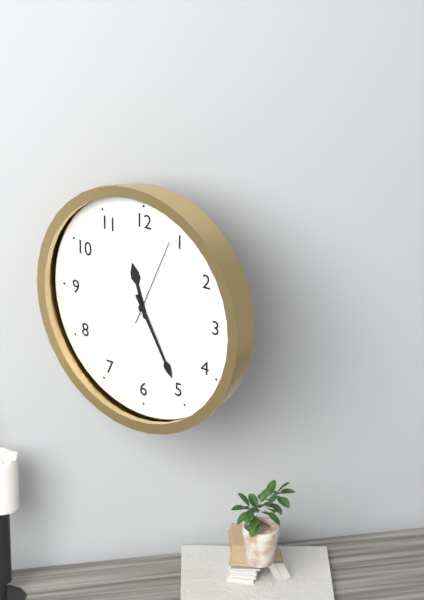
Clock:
11:25:04
